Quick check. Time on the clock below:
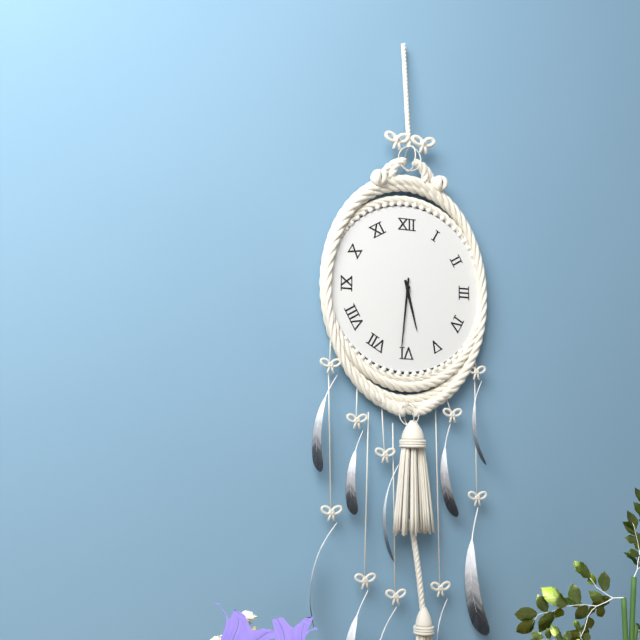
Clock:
5:31
